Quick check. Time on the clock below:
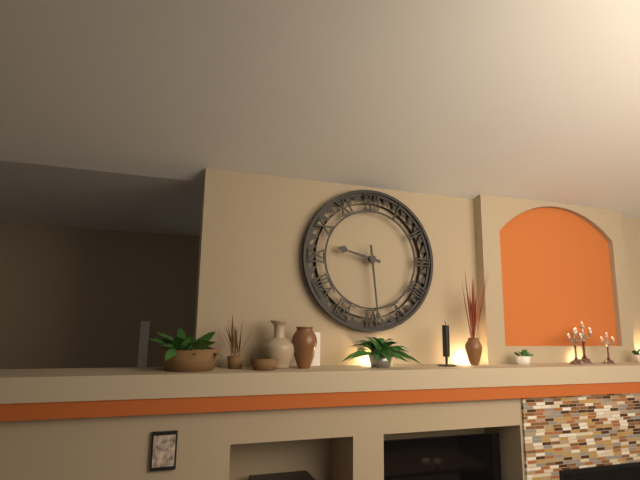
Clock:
9:29
